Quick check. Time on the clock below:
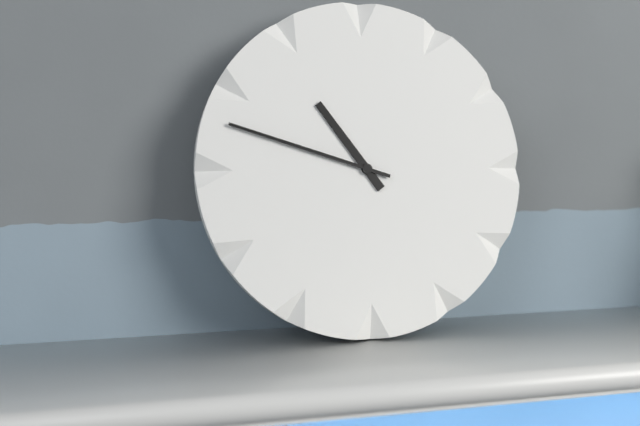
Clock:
10:48
